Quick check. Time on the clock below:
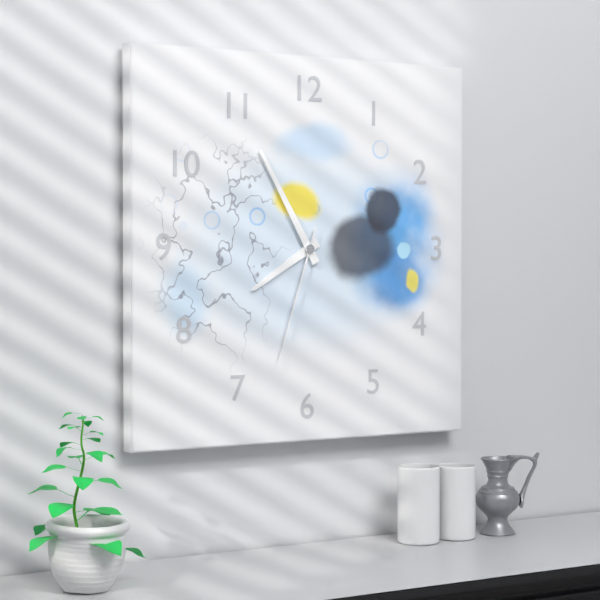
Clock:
7:55:33
